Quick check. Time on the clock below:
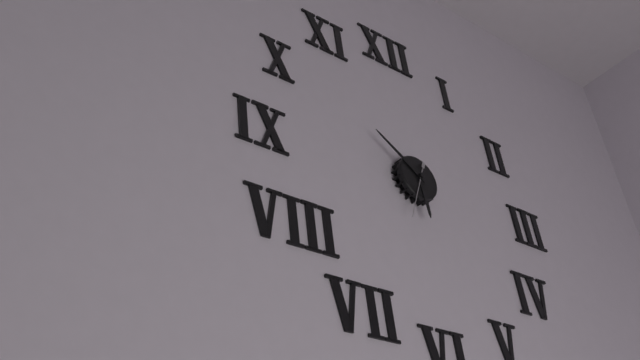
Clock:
5:51
